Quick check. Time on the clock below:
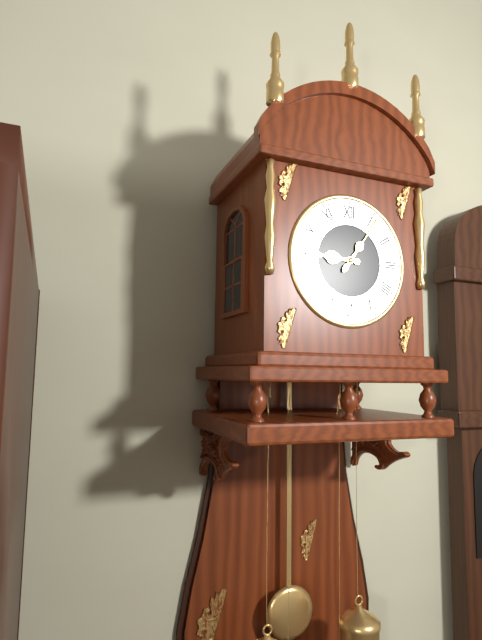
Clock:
9:06
